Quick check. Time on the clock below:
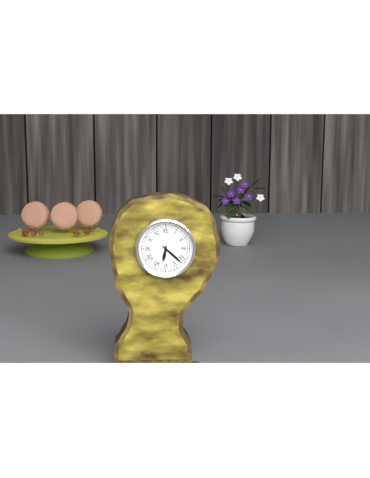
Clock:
6:22
